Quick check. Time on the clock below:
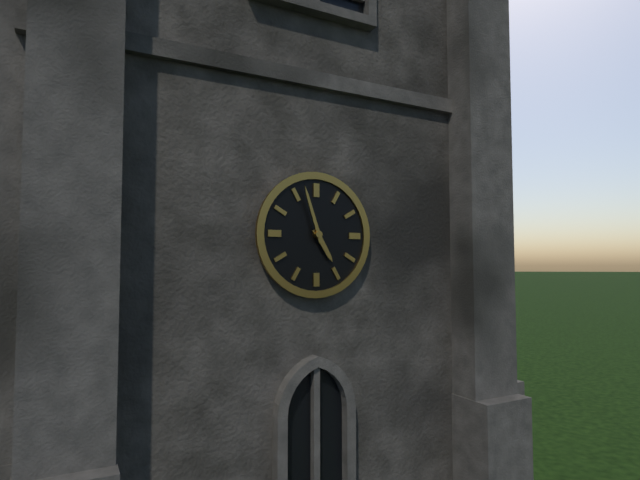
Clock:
4:57
